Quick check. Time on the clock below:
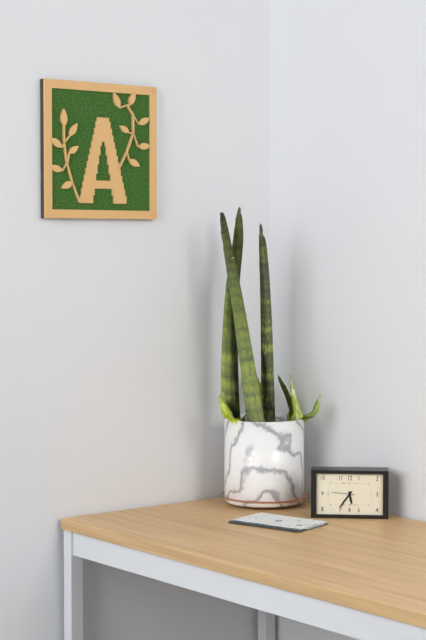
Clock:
5:36
